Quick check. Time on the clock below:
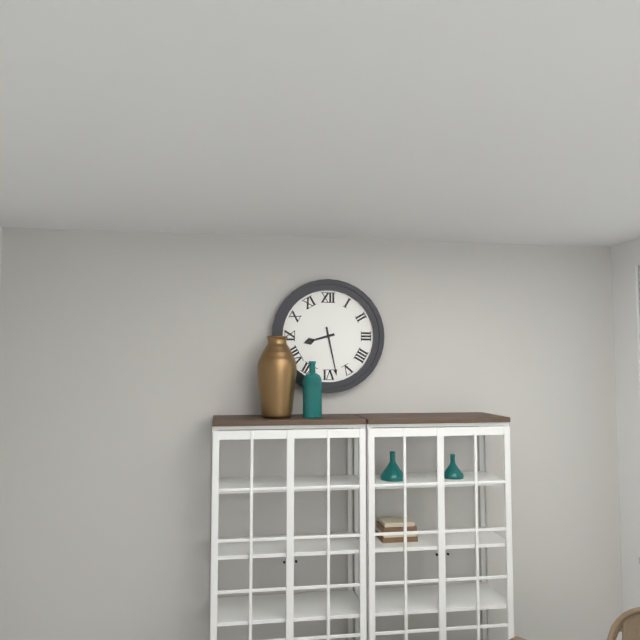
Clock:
8:28
